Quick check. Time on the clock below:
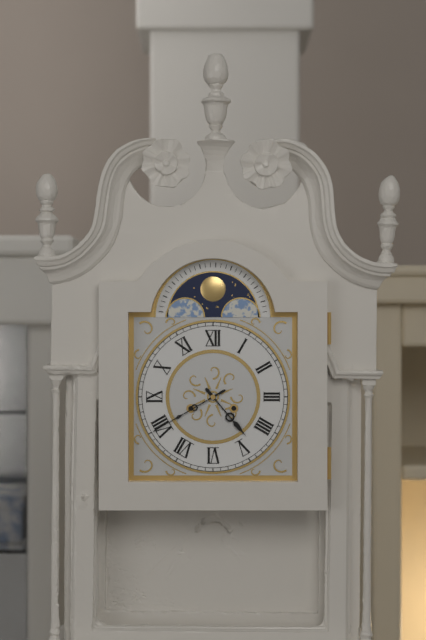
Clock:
4:40
